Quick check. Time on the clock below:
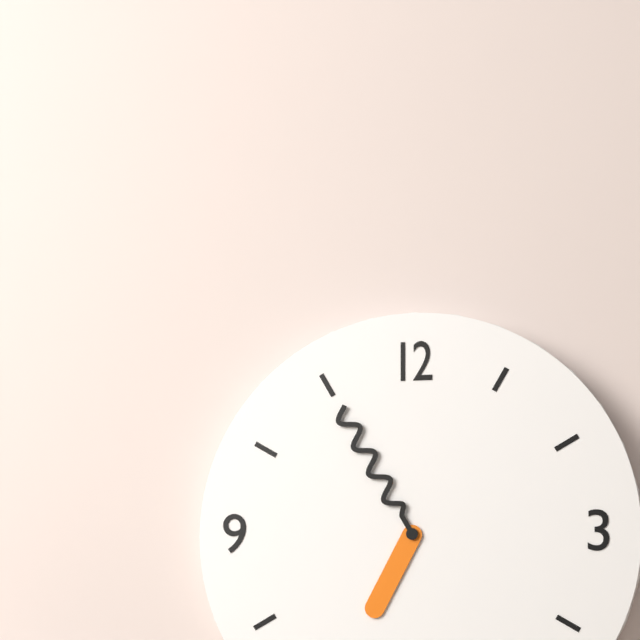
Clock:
6:55
